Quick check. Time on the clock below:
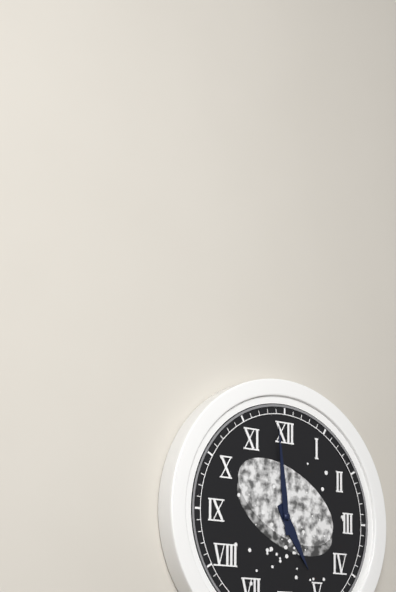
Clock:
4:59
